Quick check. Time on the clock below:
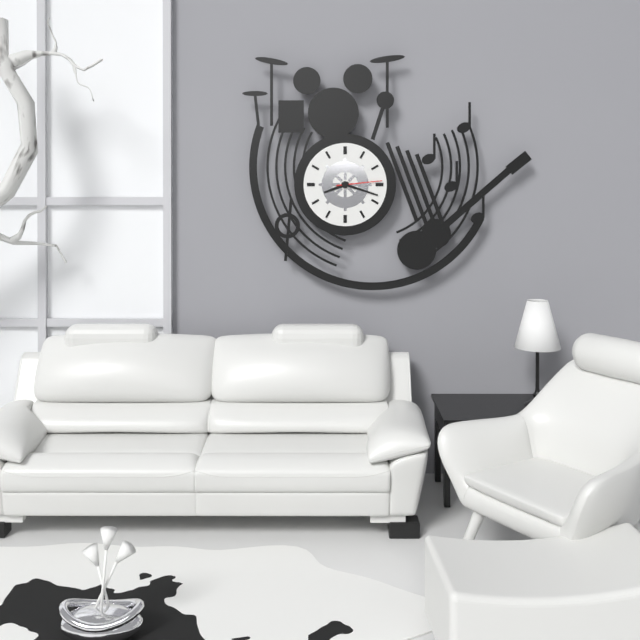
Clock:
8:18
